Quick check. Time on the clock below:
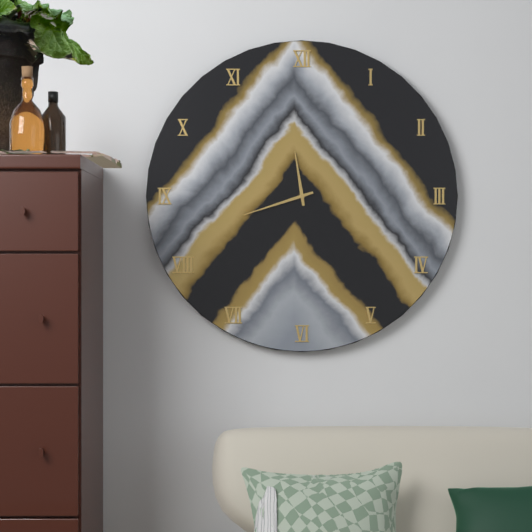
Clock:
11:42
